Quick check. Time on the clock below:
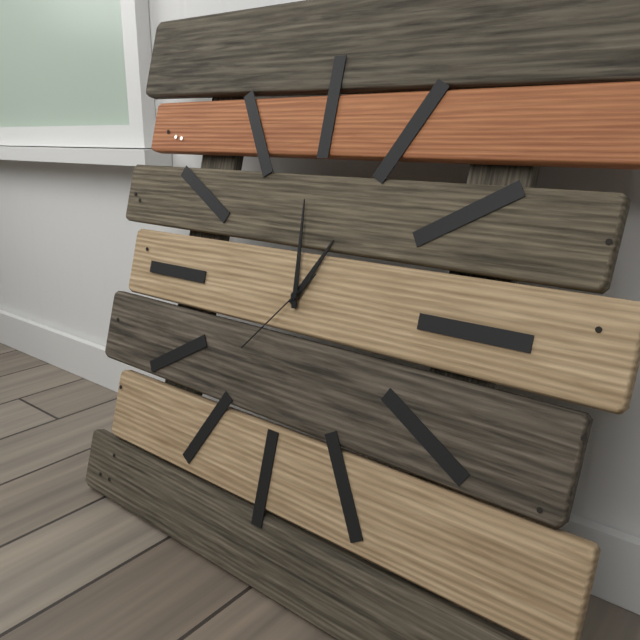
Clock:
12:59:37
